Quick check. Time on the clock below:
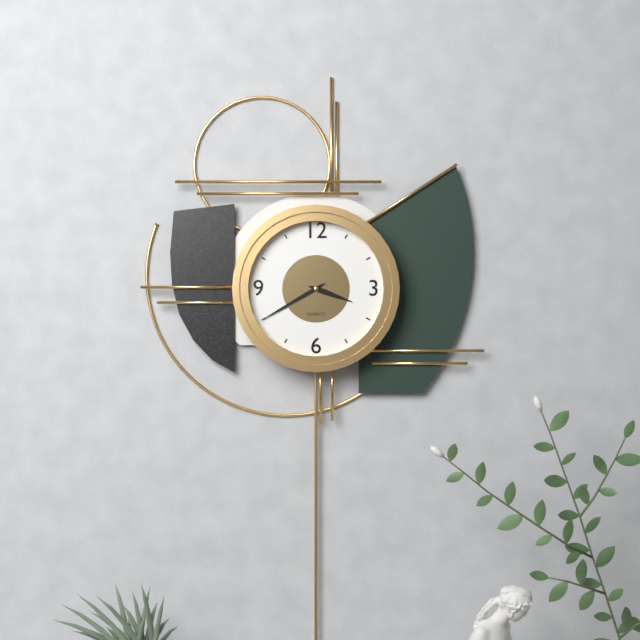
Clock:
3:40
